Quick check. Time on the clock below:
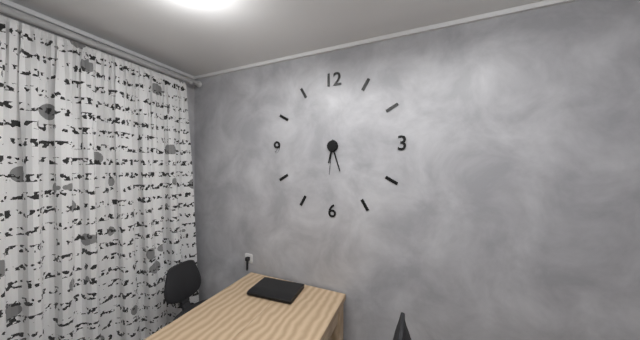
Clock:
6:27
